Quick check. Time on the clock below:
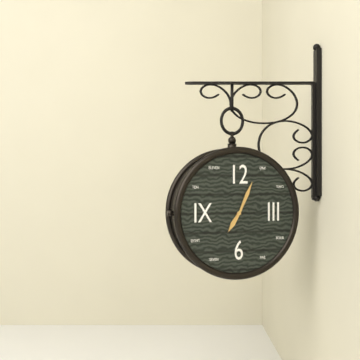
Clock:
7:04
